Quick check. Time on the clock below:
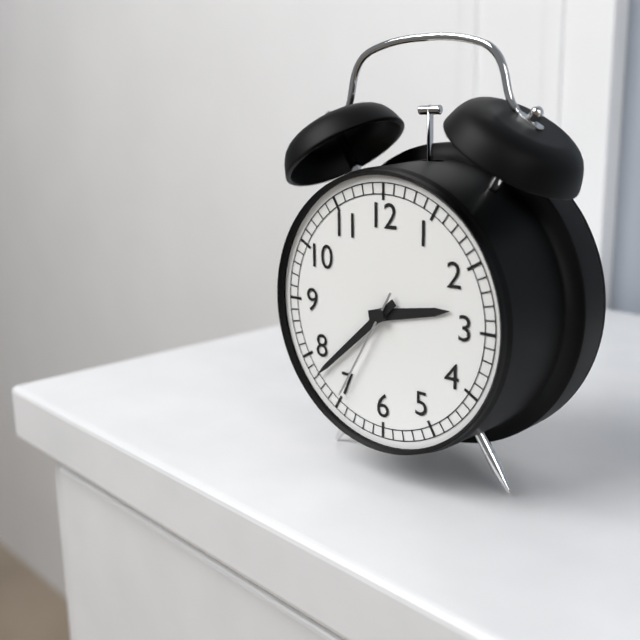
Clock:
2:38:35
